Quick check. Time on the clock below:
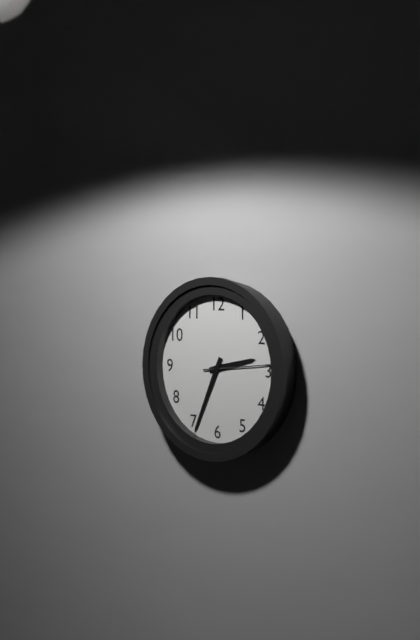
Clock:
2:34:14
